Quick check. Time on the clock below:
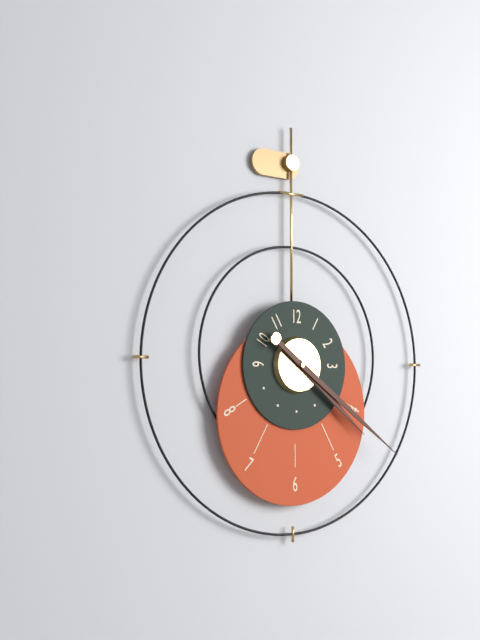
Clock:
4:21
